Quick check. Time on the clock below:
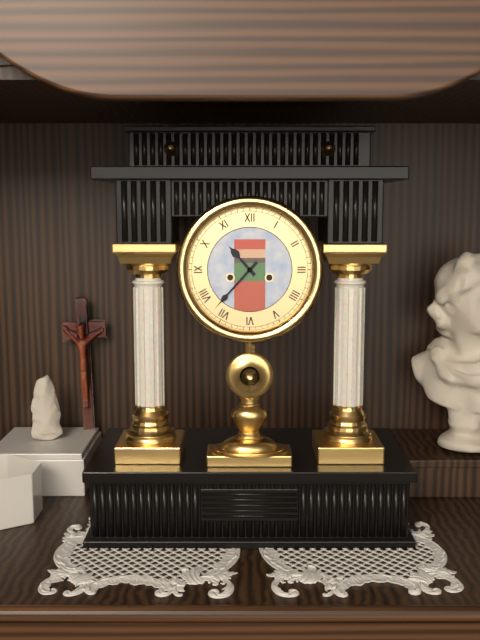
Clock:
10:37
